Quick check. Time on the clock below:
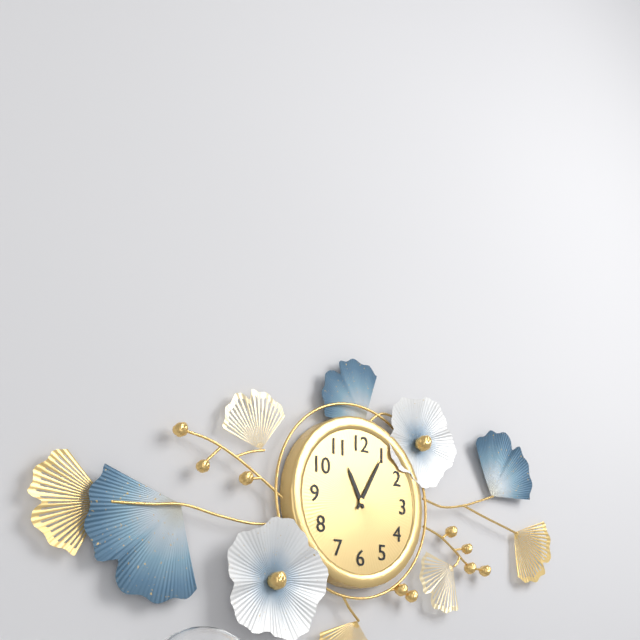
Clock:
11:05
